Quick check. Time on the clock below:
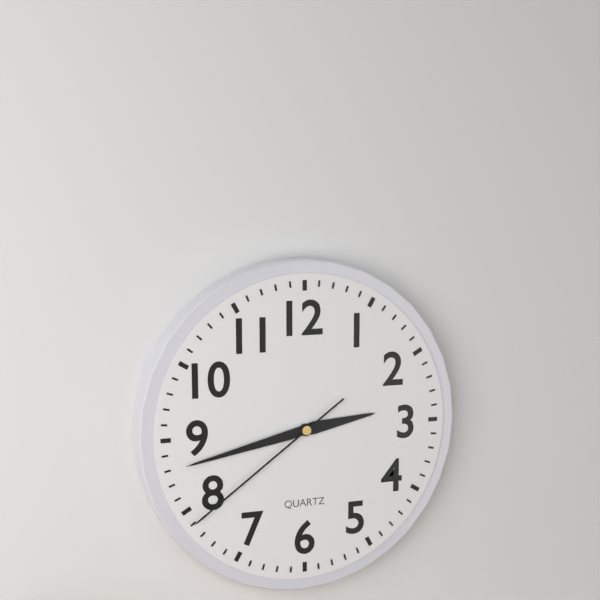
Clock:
2:43:39
